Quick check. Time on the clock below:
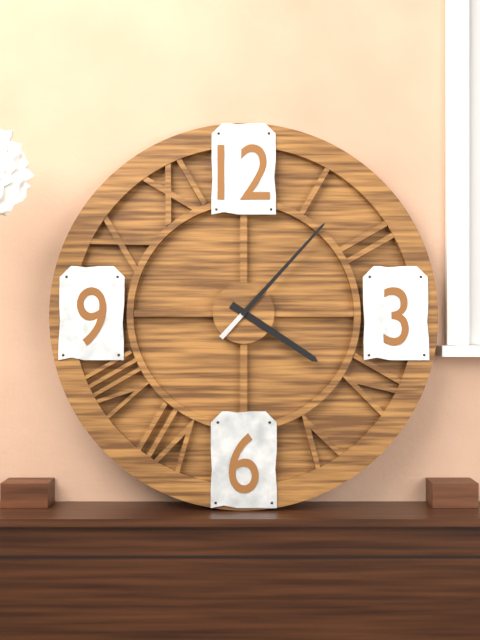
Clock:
4:07
